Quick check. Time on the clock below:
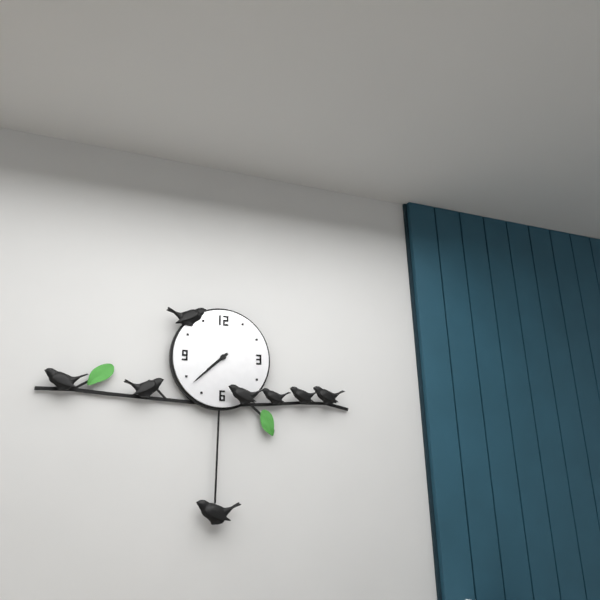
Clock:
7:38
